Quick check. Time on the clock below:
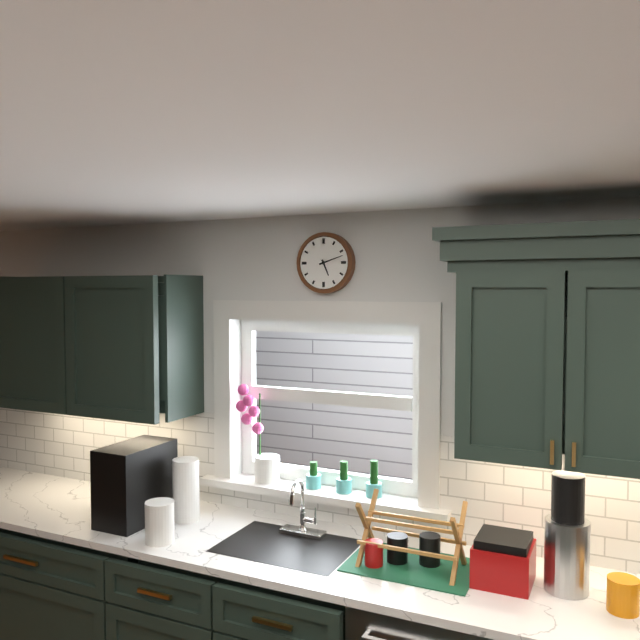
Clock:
5:12
